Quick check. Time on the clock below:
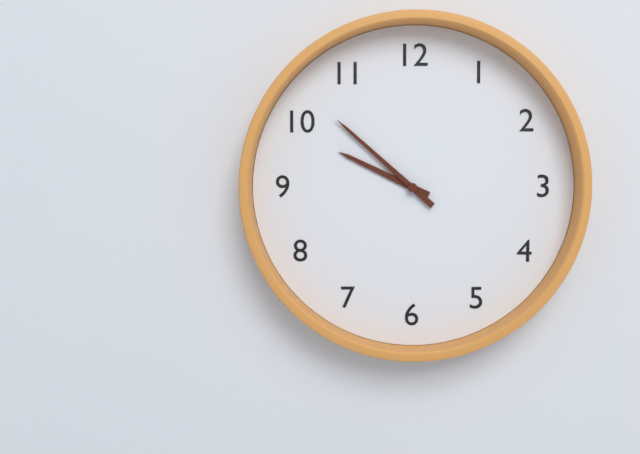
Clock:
9:52
